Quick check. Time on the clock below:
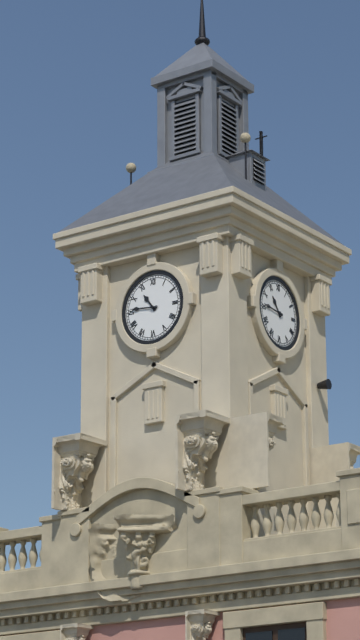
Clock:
10:46
